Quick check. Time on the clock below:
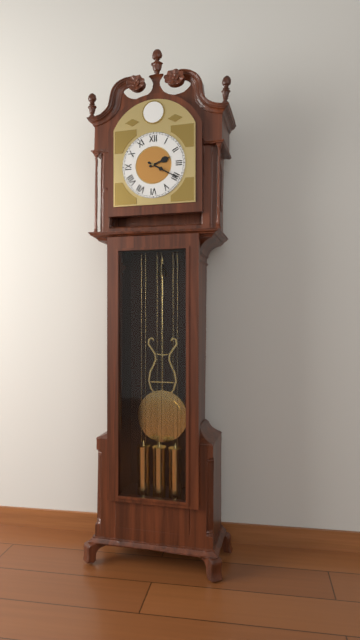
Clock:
2:20
